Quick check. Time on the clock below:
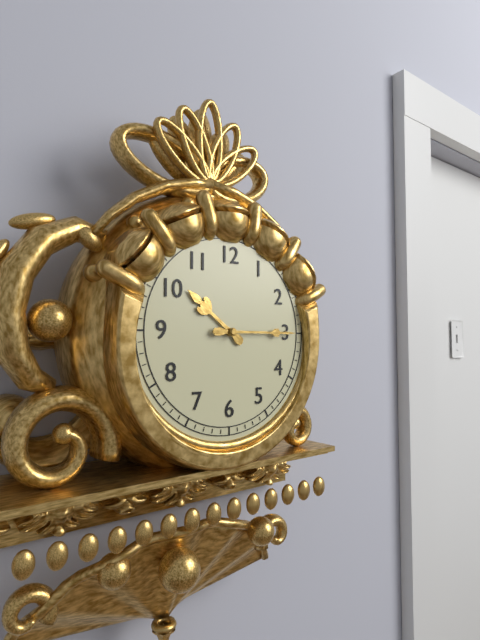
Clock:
10:15
